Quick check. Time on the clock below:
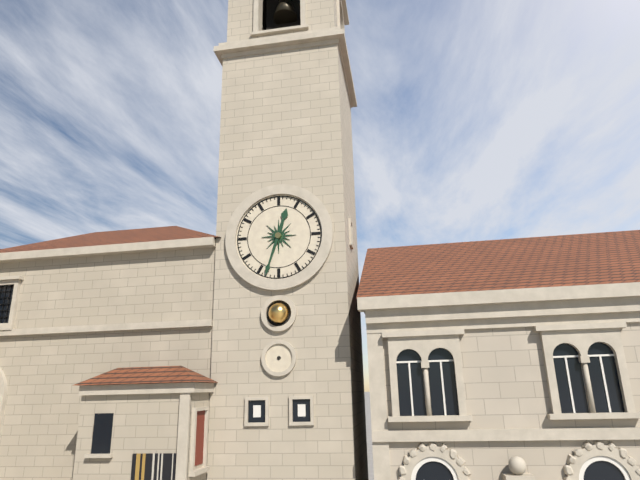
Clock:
12:33
